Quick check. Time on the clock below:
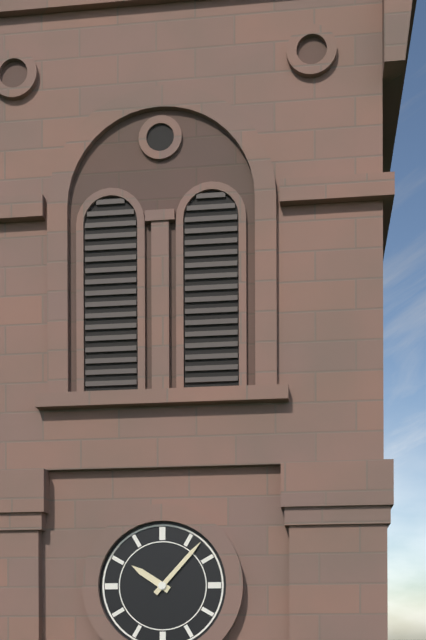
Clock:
10:07
